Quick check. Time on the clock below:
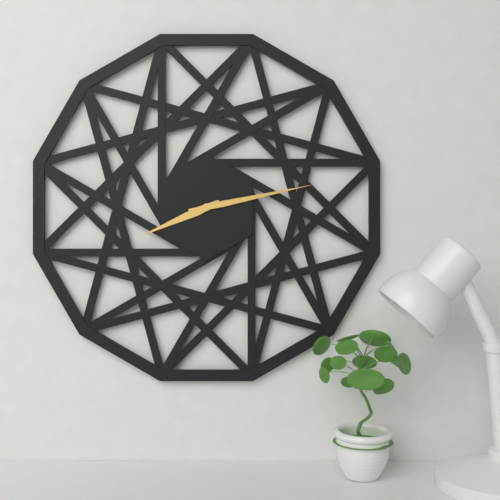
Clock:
8:13
